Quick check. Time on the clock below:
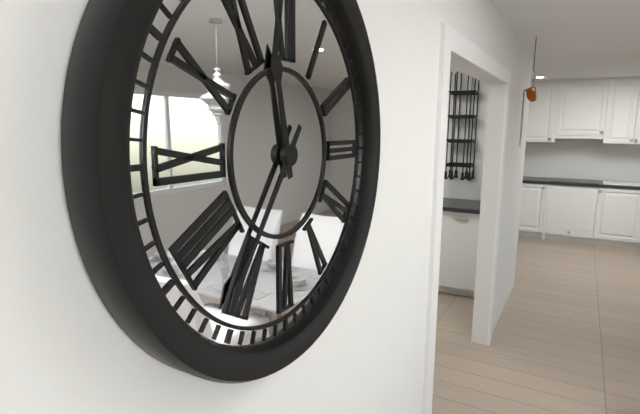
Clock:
11:36
